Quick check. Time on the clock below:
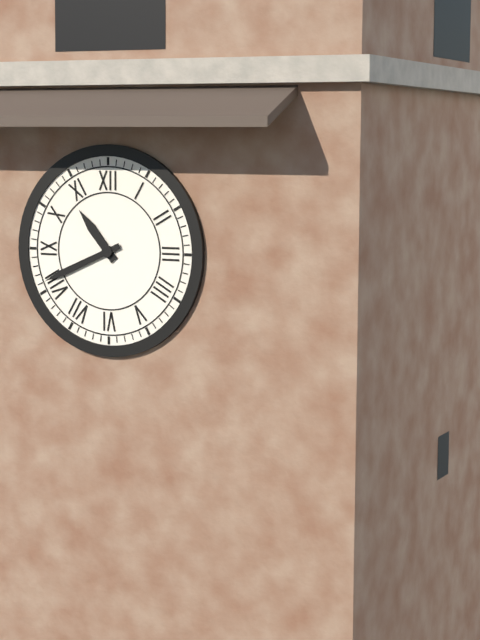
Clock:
10:41
